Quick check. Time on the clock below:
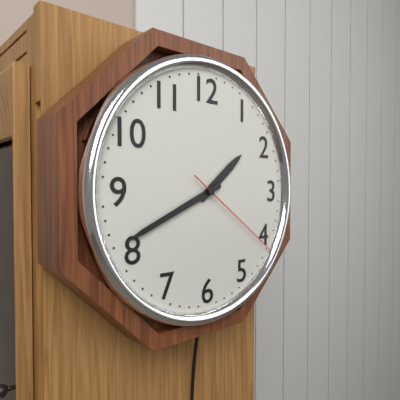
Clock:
1:41:21
